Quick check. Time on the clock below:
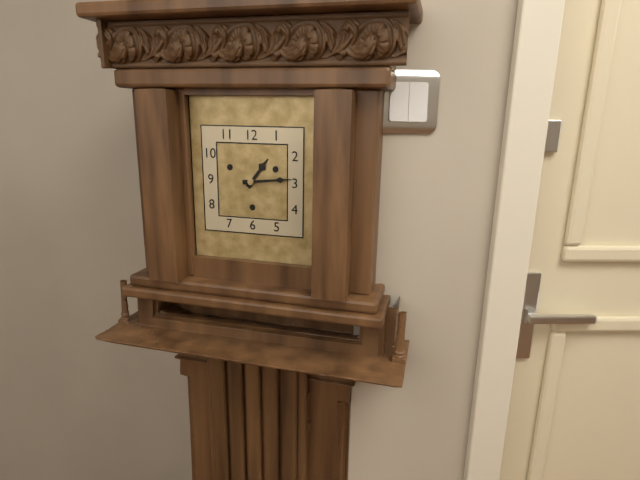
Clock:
1:14
